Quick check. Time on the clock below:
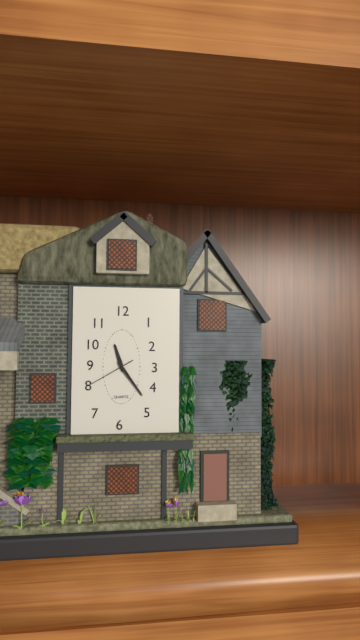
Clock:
11:24
